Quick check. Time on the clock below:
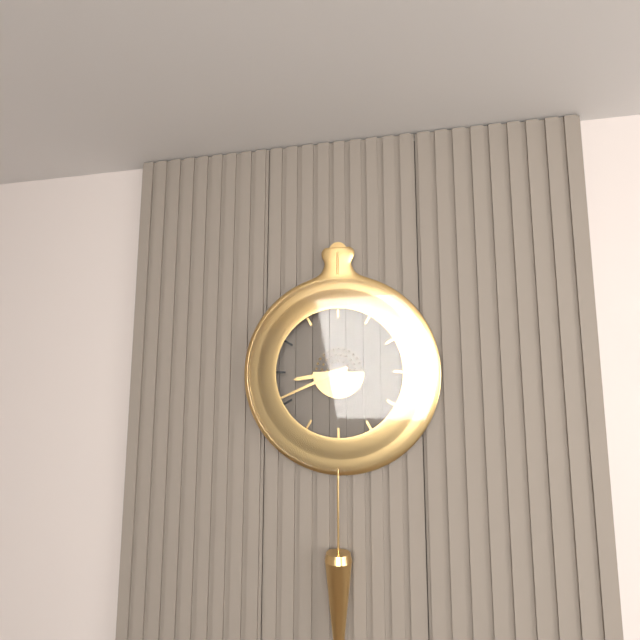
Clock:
8:41
